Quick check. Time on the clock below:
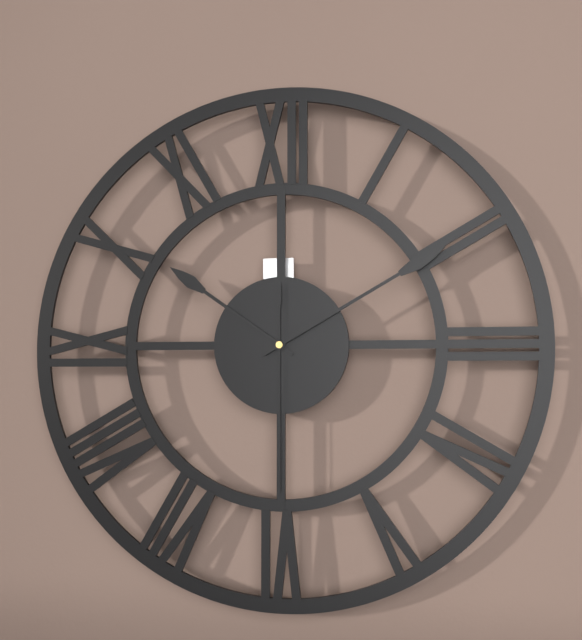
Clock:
10:10:30
